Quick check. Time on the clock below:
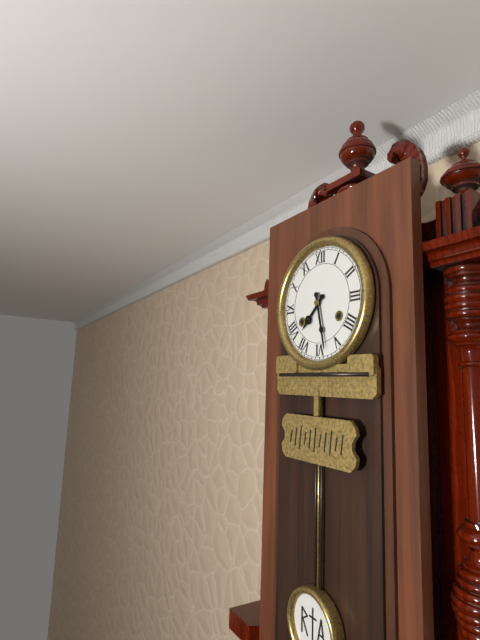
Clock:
7:28
